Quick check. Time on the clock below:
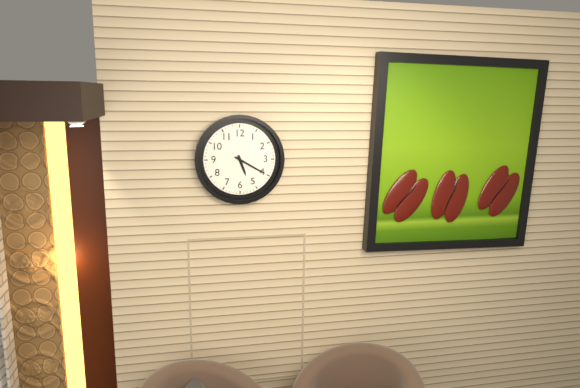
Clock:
5:20
